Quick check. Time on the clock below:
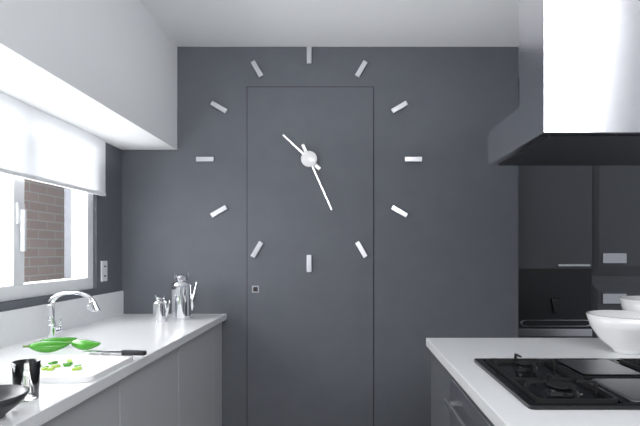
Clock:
10:26
